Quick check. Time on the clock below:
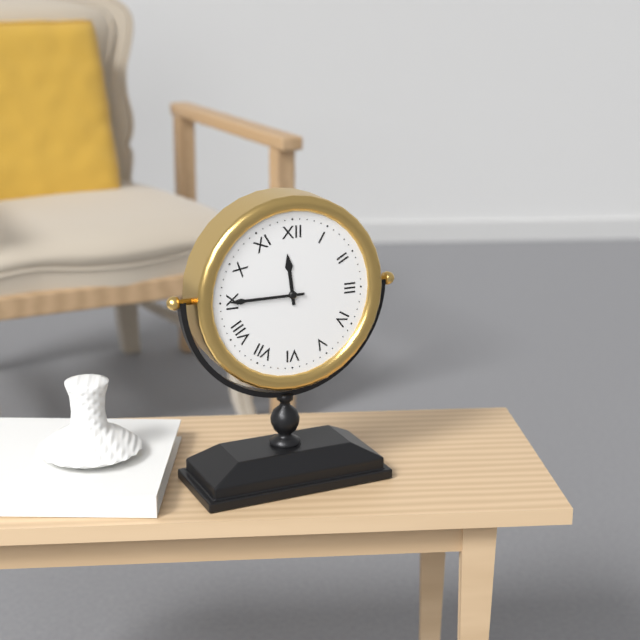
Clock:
11:45
